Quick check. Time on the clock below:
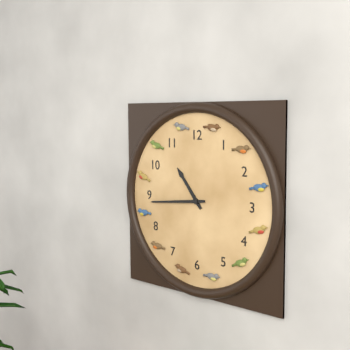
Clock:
10:44
